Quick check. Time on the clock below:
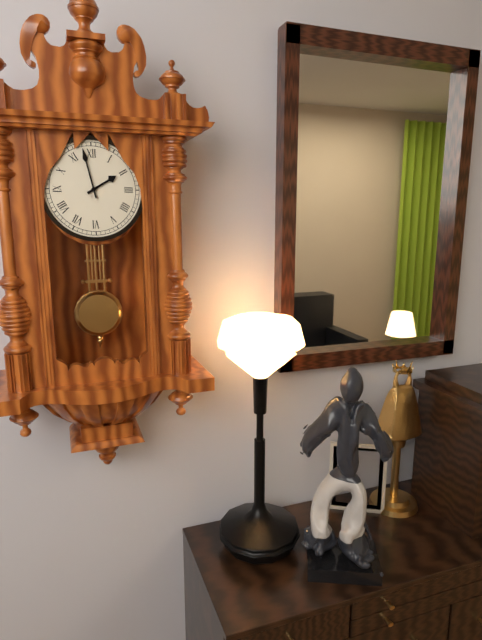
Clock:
1:58
